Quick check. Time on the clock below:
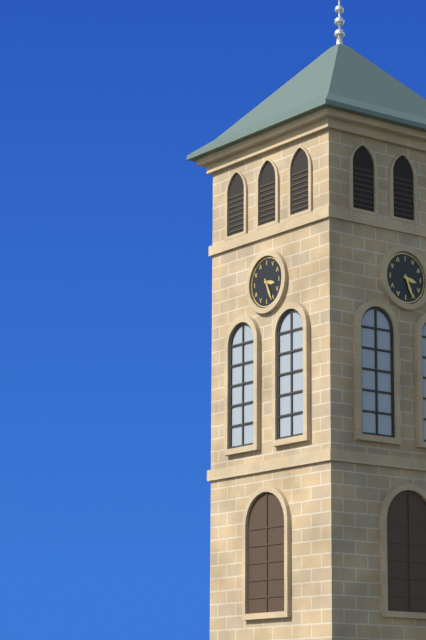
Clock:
3:26
